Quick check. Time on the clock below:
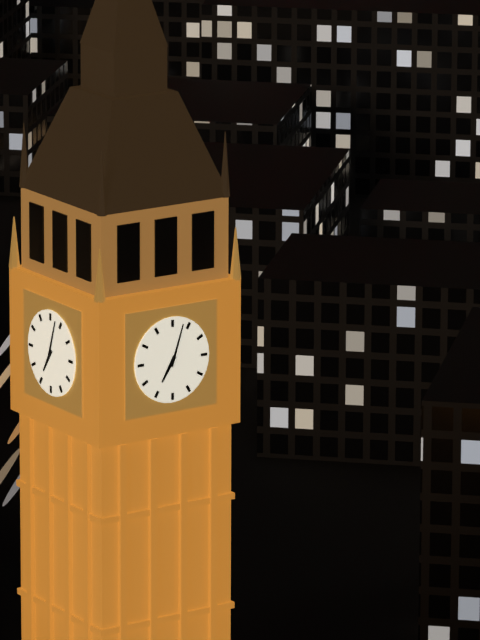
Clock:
7:03
